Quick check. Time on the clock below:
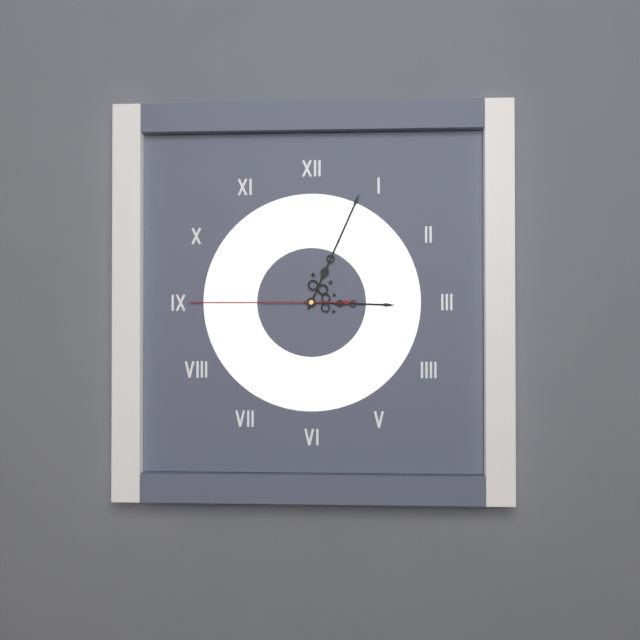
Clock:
3:04:45
